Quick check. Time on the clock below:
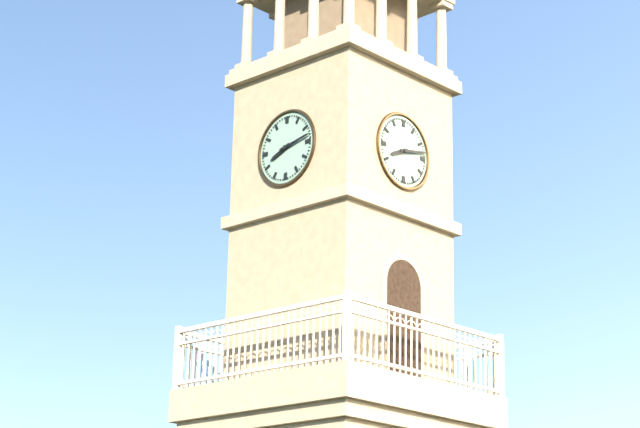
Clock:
8:13
